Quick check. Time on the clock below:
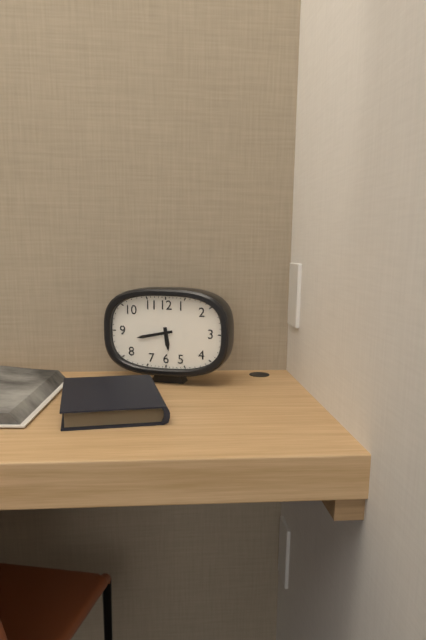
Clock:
5:43
